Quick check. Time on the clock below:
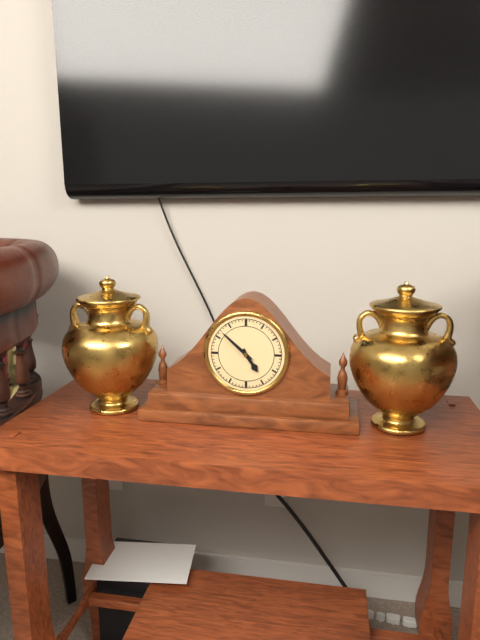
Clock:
4:52
